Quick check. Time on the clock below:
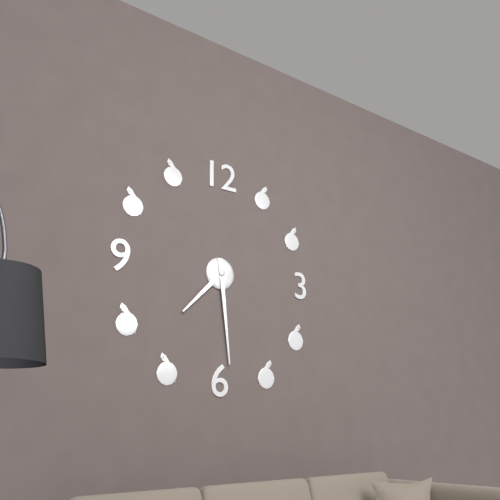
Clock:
7:29
